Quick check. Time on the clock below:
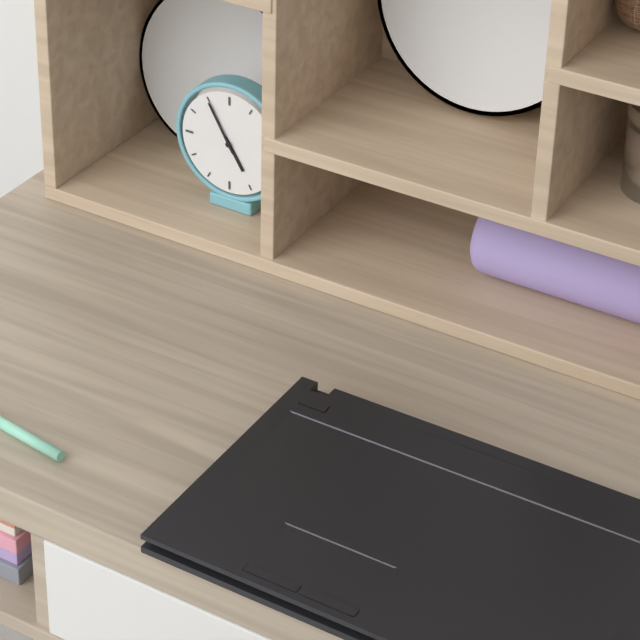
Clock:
4:55
